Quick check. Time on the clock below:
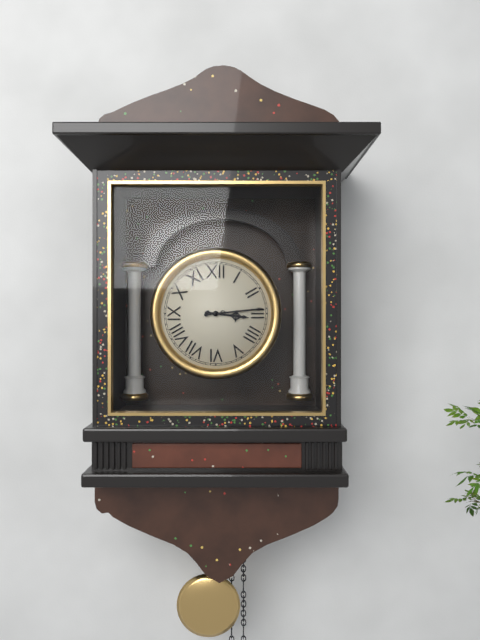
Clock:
3:14
